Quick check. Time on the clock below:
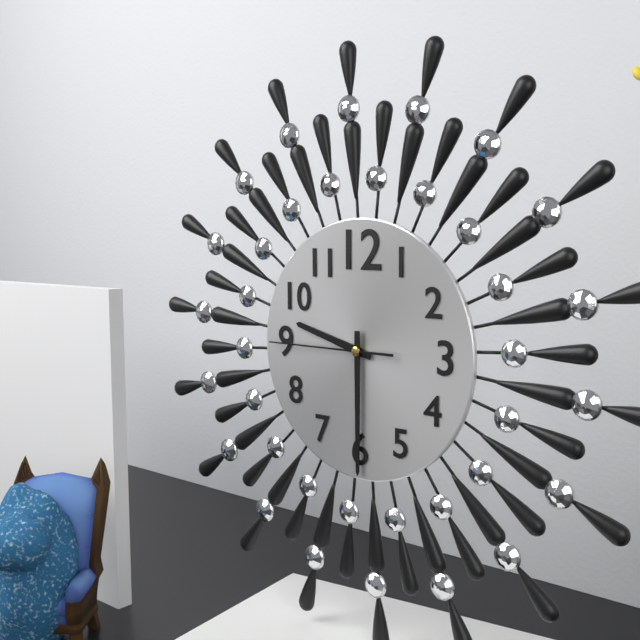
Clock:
9:30:45
